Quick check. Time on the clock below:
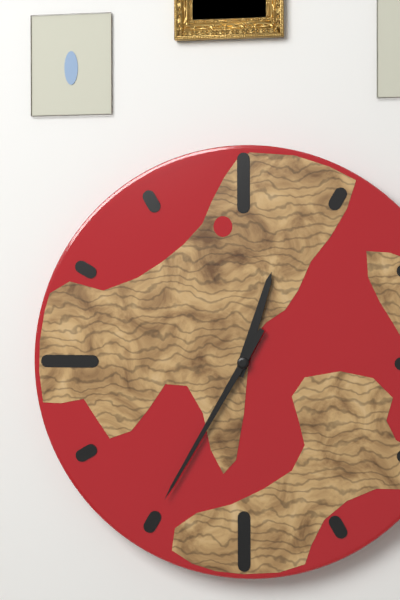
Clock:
12:35
